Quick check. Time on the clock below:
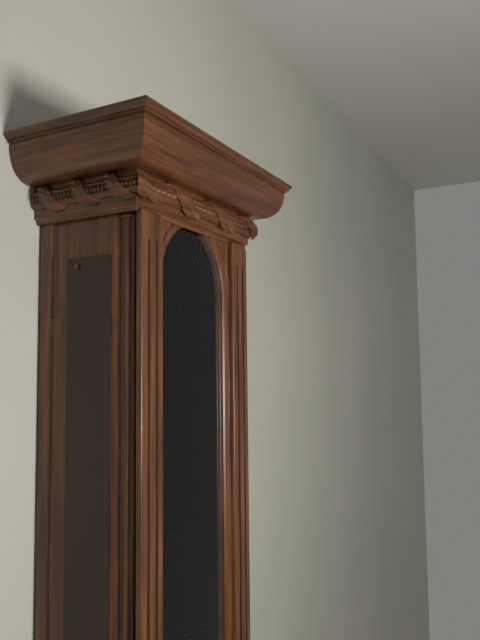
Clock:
11:15
